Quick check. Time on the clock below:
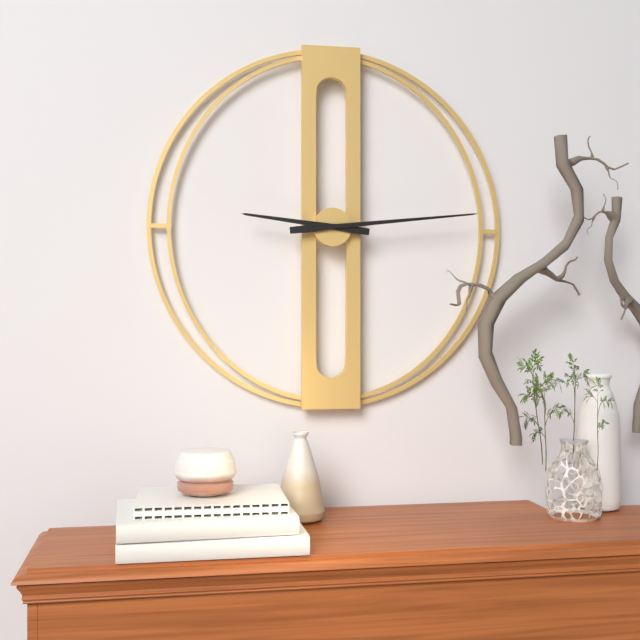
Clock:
9:14
